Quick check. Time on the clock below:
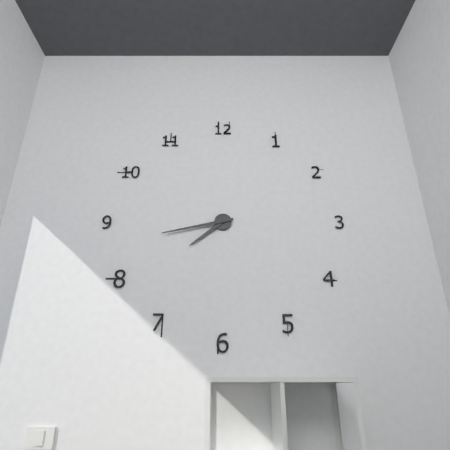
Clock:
7:43
